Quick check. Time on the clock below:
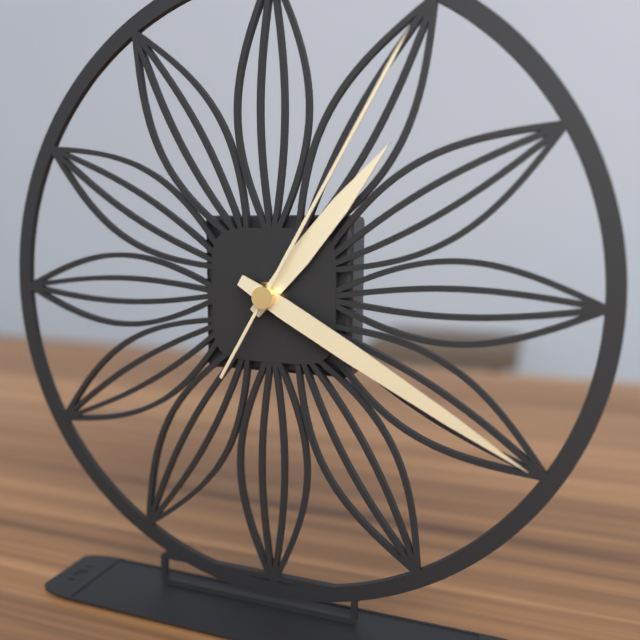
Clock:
1:20:05
